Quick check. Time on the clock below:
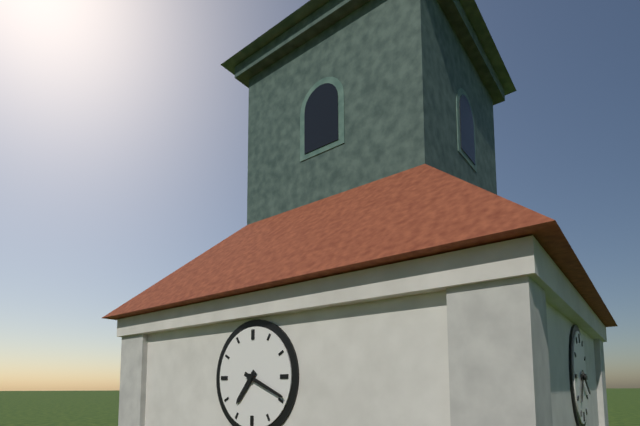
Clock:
7:19
